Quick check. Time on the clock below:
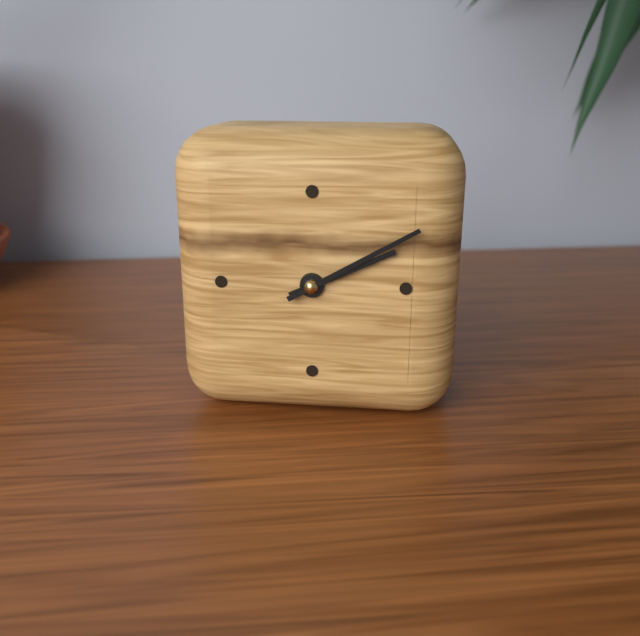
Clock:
2:10
